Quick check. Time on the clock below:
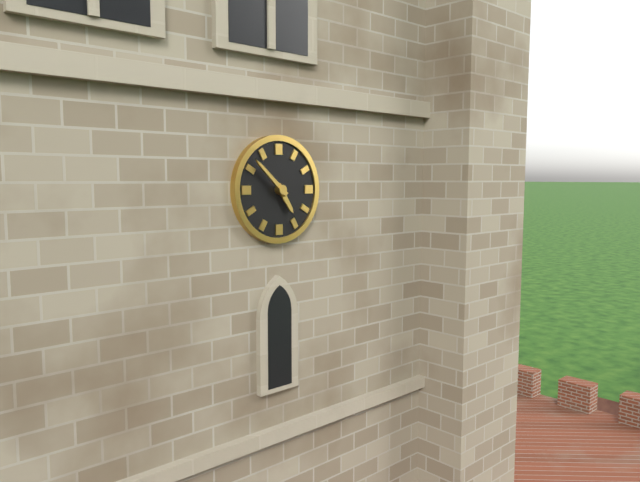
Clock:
4:52
